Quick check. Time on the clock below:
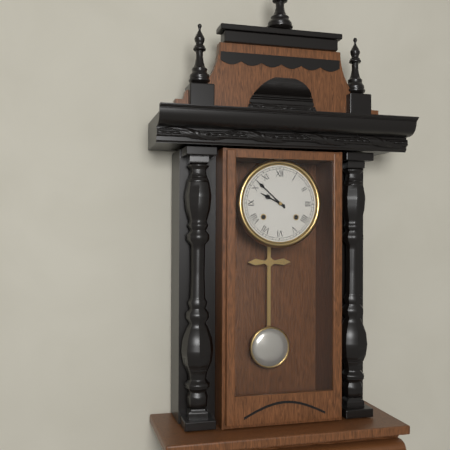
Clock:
9:52
